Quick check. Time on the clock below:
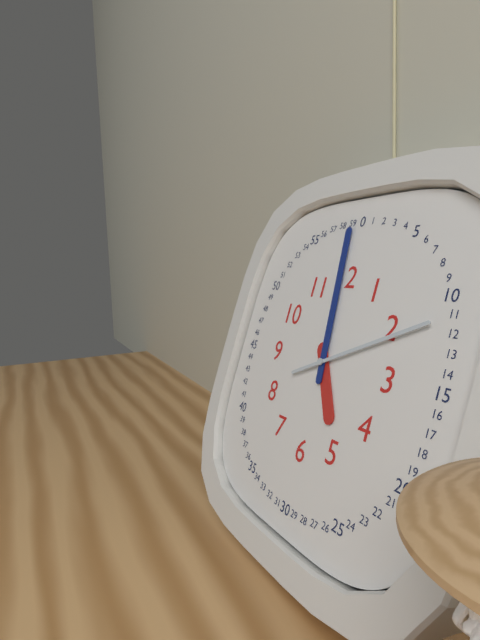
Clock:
4:59:11
